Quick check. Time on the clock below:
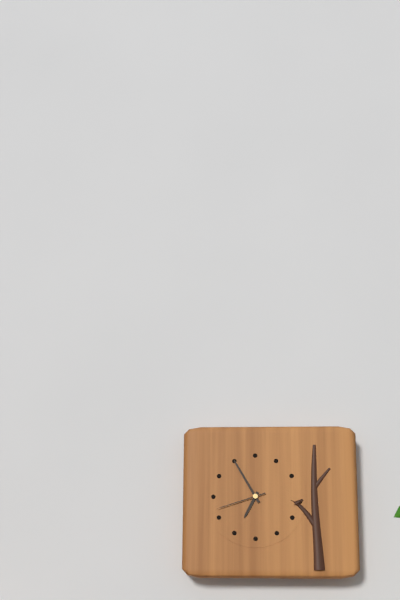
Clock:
6:55:42
